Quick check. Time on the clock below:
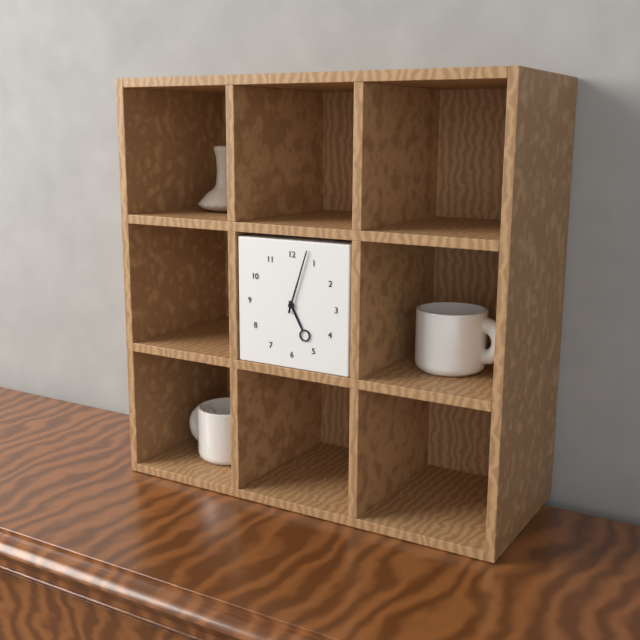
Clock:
5:03
